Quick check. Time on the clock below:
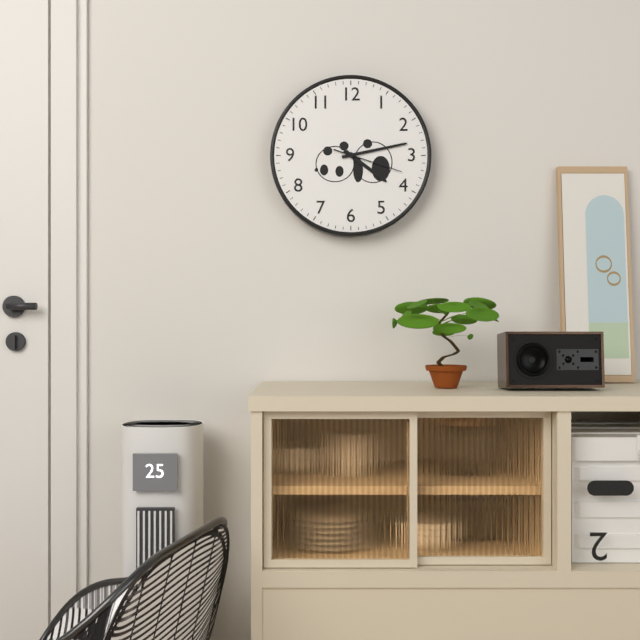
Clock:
4:13:18
